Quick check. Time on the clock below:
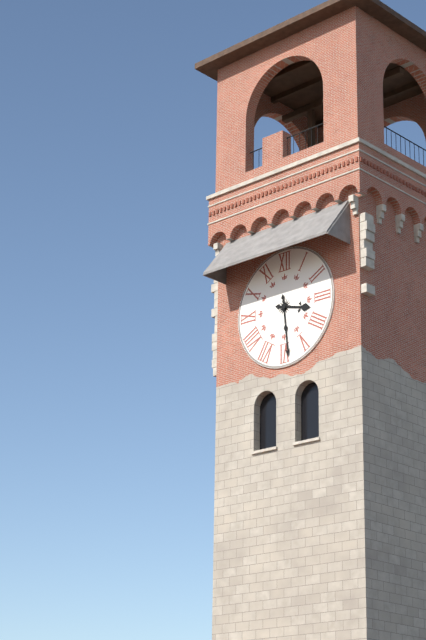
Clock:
3:29
